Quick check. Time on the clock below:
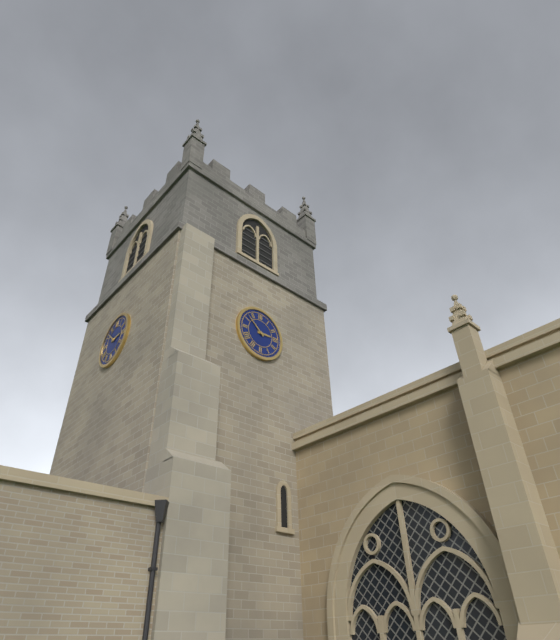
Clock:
2:52
